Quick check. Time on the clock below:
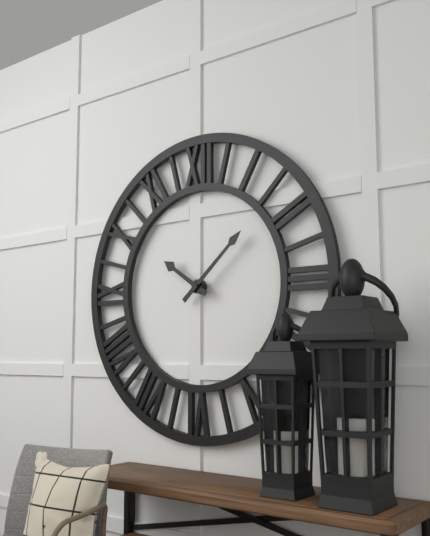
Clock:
10:08
